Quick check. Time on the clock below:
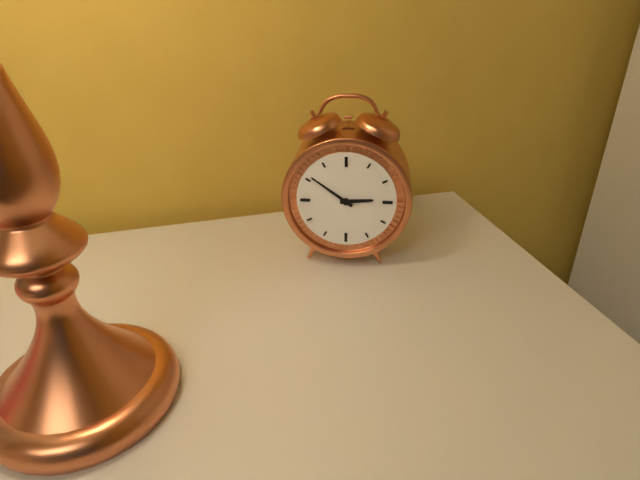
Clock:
2:51
